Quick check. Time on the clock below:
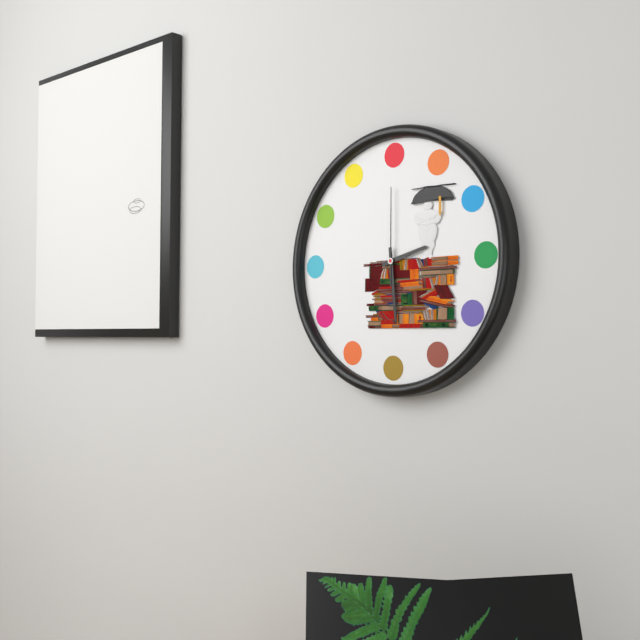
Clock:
2:29:00
